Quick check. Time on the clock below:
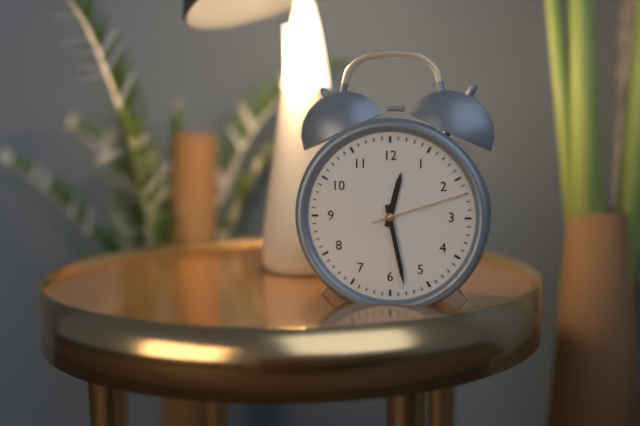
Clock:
12:28:12
